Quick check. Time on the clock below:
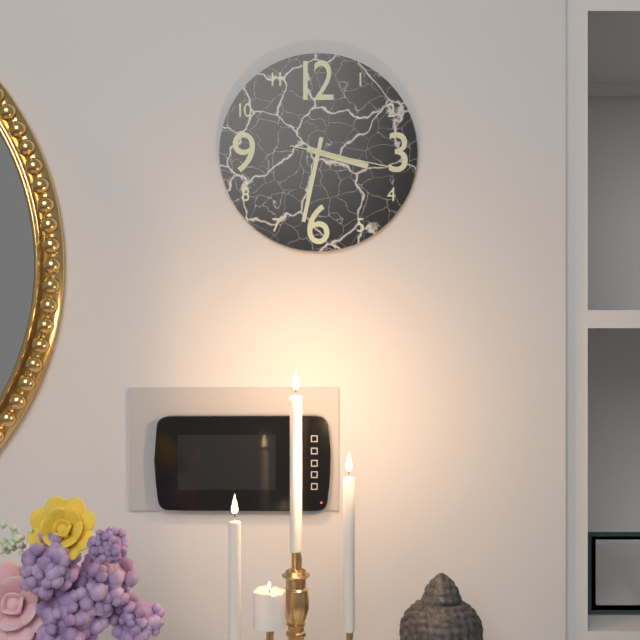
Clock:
3:32:17
